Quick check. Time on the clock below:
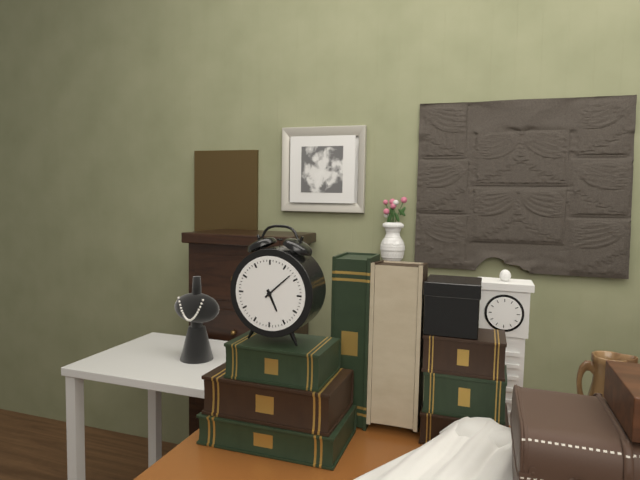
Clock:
5:08
